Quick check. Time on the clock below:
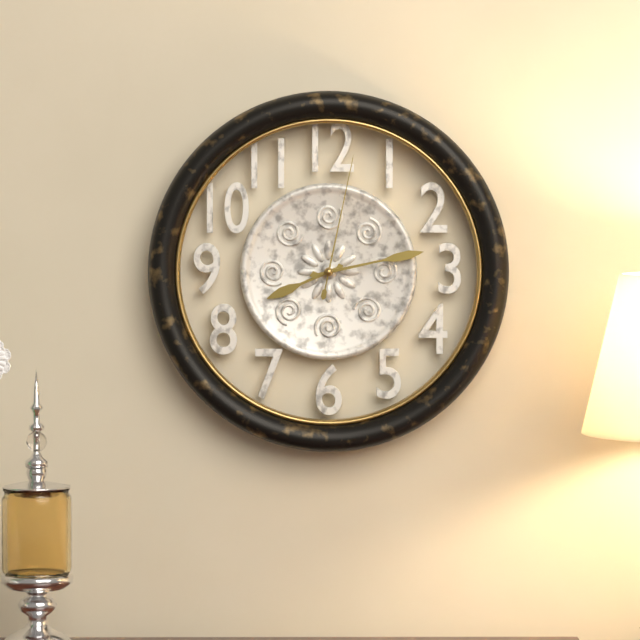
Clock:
8:13:02
